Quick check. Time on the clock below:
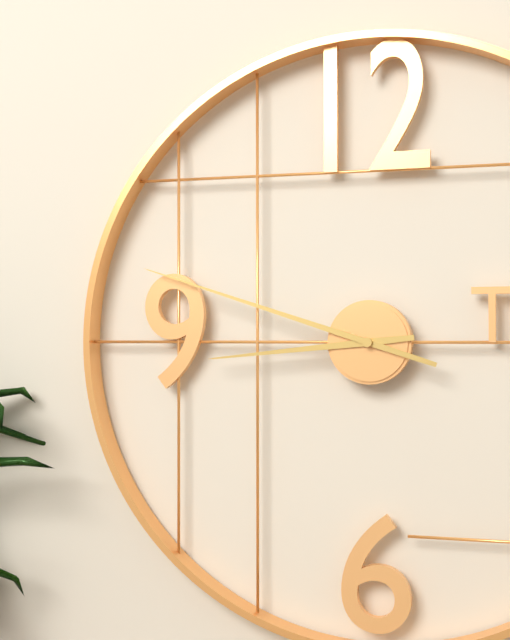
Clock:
8:48
